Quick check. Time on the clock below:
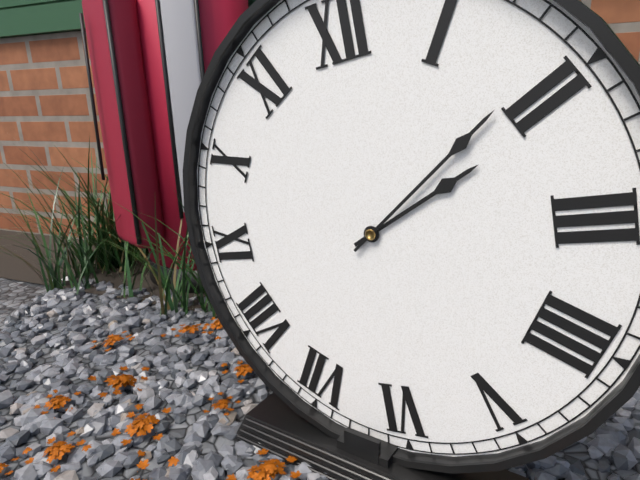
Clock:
2:09
